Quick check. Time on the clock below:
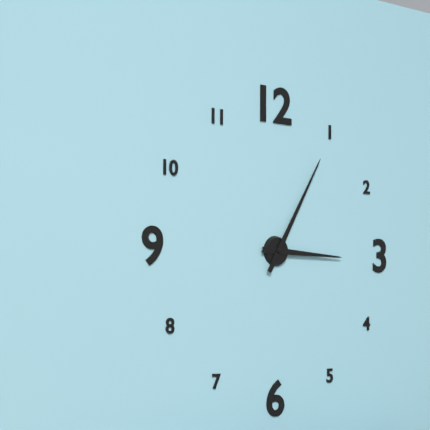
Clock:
3:05
